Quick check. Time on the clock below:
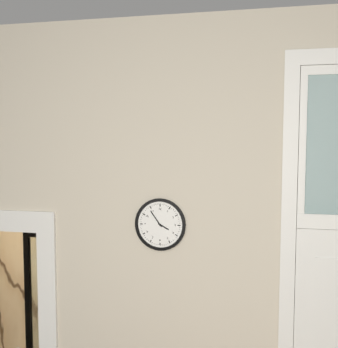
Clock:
3:54
